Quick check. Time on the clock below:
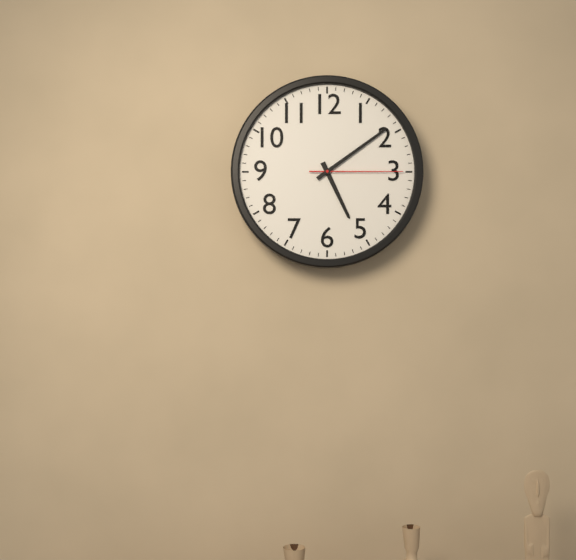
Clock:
5:09:15
